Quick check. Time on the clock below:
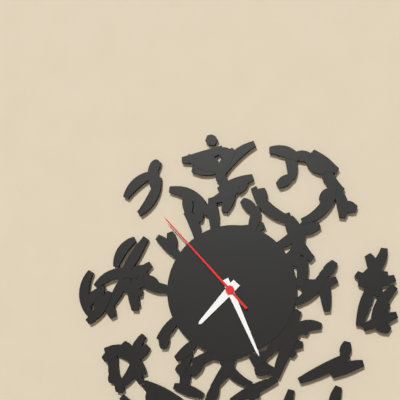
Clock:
7:26:53
